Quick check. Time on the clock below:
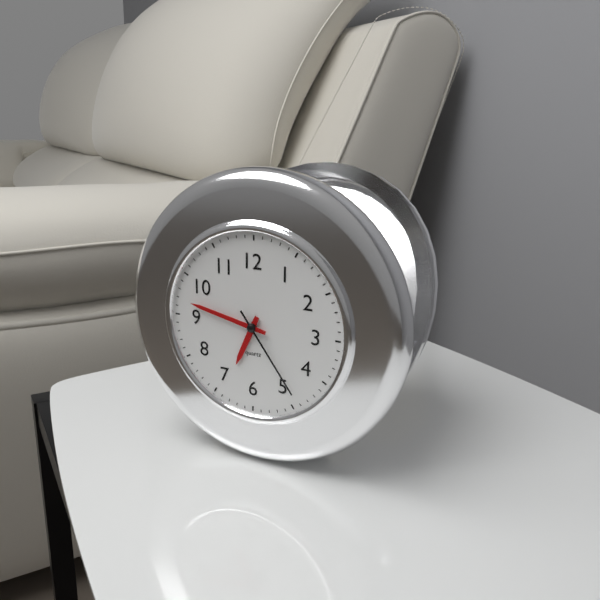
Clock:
6:47:24
